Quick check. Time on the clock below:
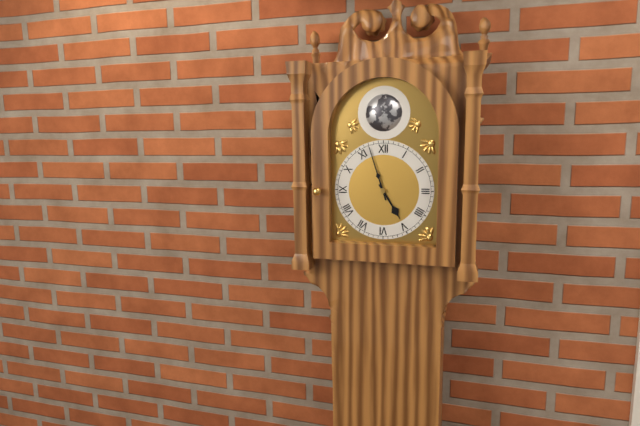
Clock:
4:57
